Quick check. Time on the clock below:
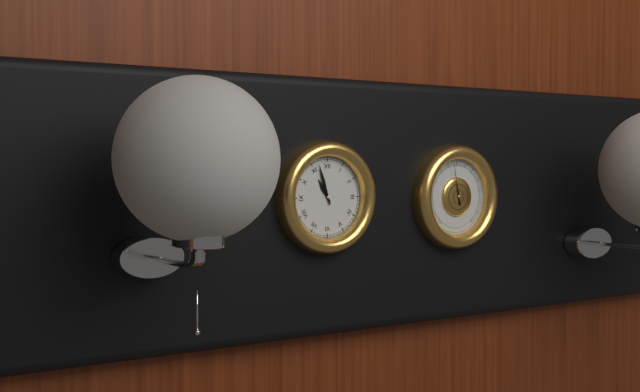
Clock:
10:57
